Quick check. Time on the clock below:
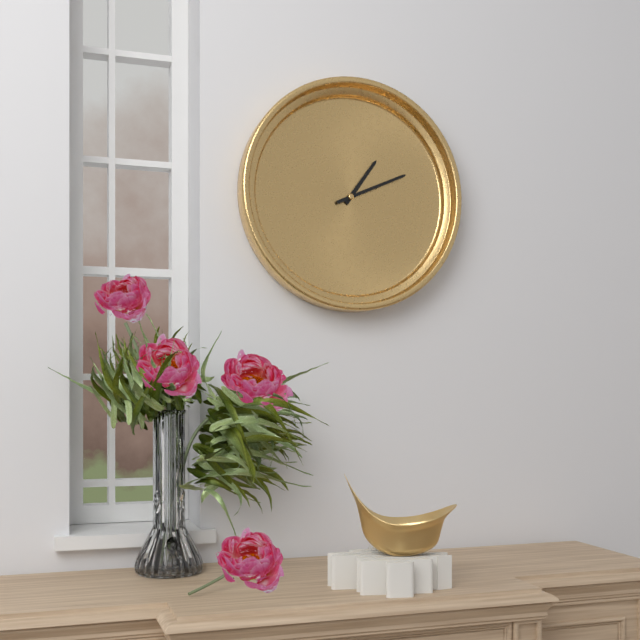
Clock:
1:11
